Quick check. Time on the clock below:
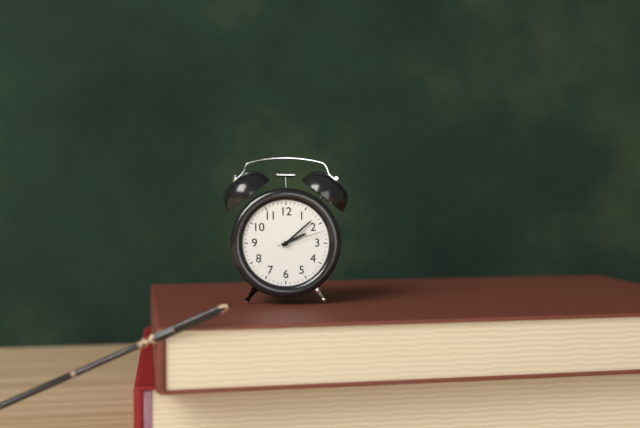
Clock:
2:08
